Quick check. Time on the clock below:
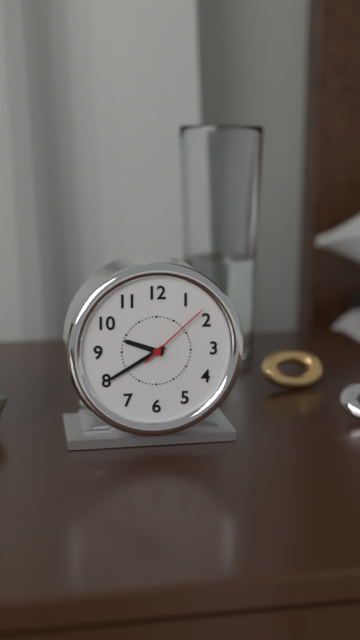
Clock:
9:40:08
